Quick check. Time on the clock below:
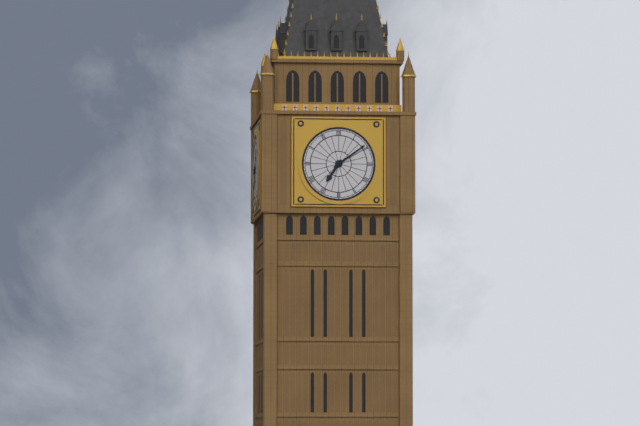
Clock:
7:09
